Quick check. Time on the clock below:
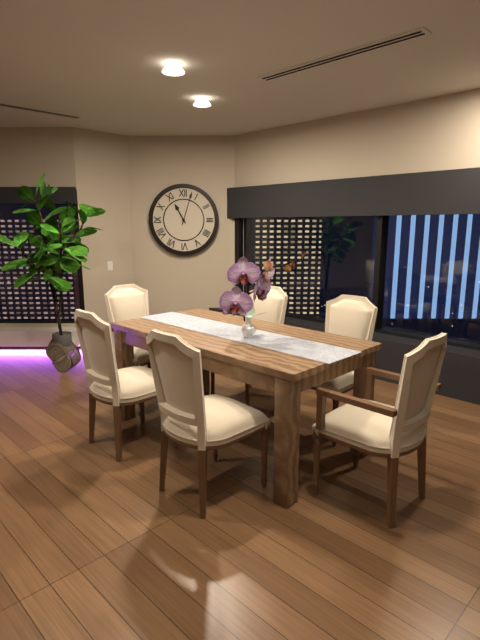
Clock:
11:03
